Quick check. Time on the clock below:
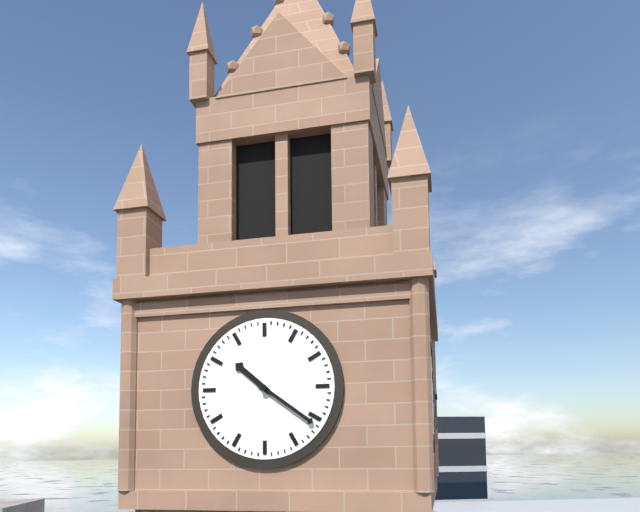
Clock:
10:21
